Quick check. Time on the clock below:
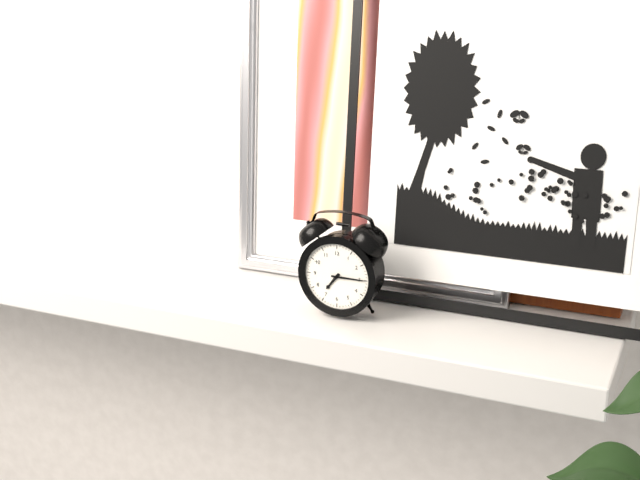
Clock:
7:15
